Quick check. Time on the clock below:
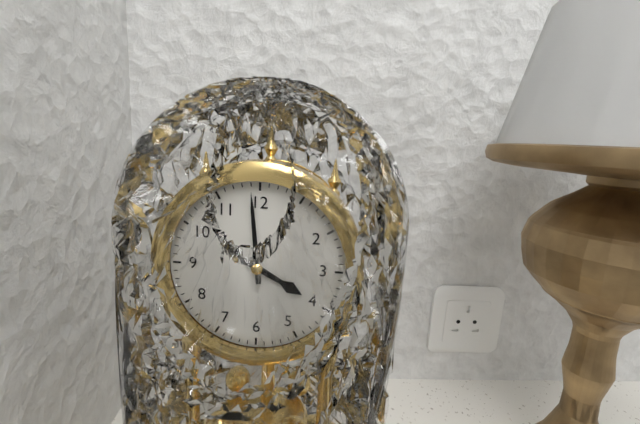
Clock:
3:59
